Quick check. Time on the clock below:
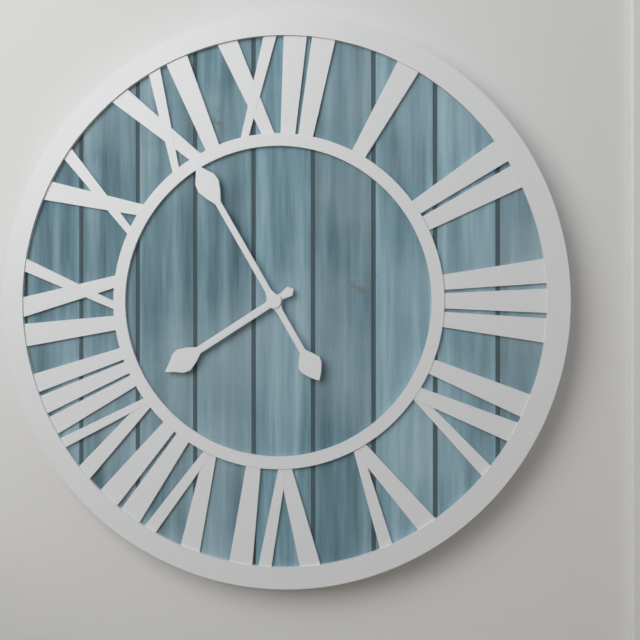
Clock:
7:55
